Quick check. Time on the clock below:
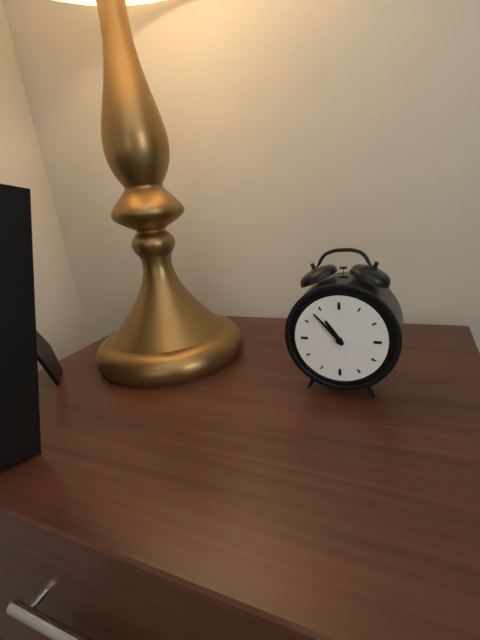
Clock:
10:53
